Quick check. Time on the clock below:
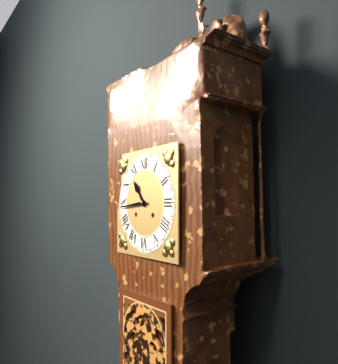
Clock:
10:44
